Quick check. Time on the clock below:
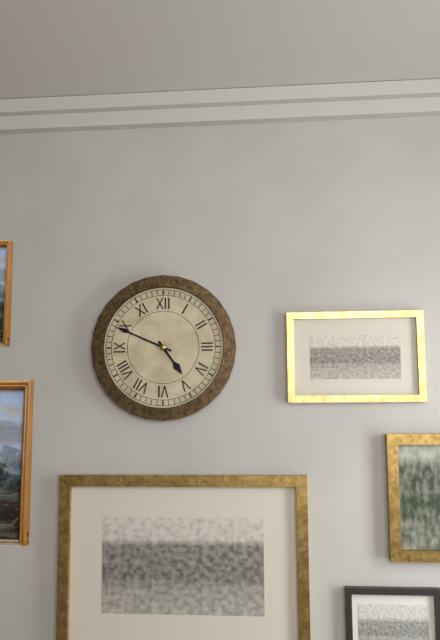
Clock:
4:49
